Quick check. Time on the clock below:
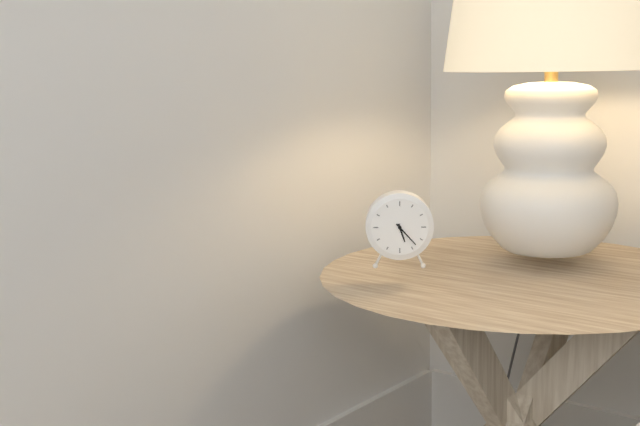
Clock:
5:23
